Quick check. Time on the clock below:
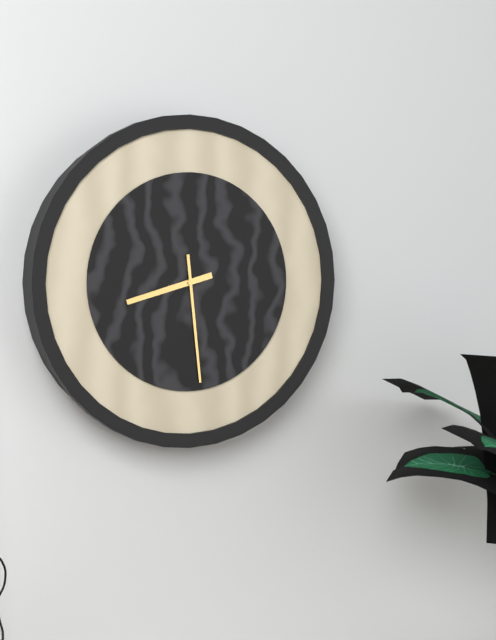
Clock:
8:29
